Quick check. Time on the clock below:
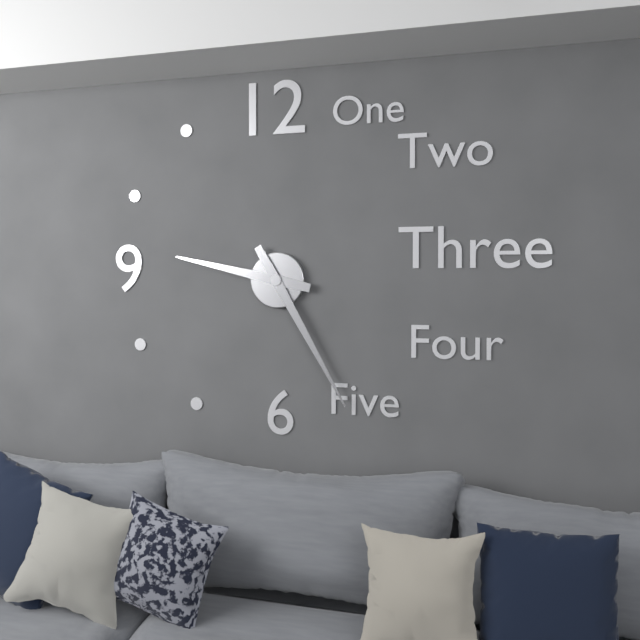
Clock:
9:25
